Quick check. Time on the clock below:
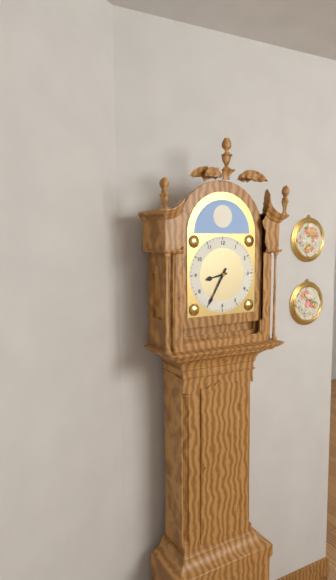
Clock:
8:35
